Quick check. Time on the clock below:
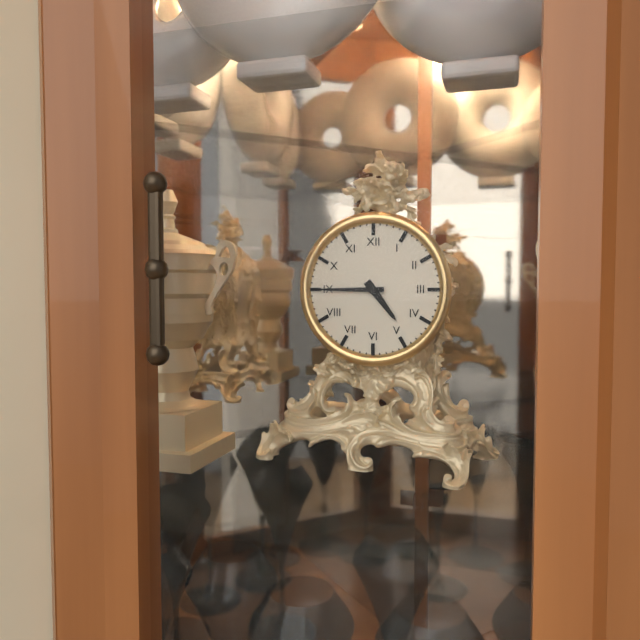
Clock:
4:45
